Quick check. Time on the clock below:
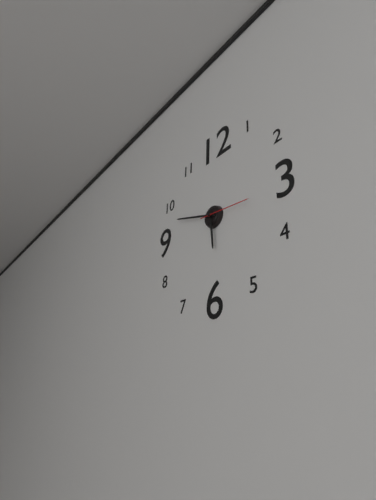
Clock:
5:48
